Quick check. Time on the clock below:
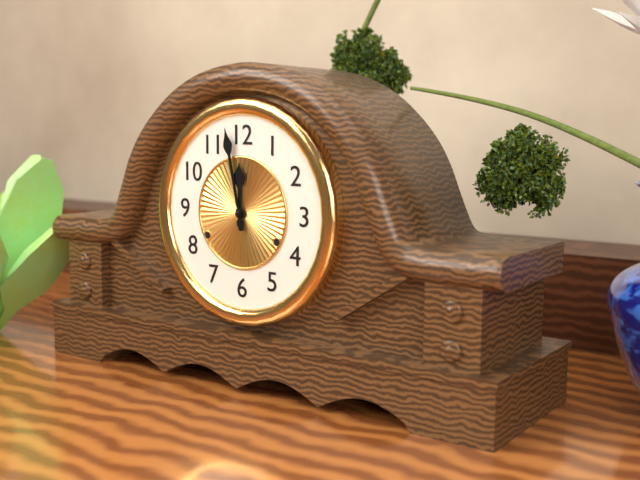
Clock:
11:58
